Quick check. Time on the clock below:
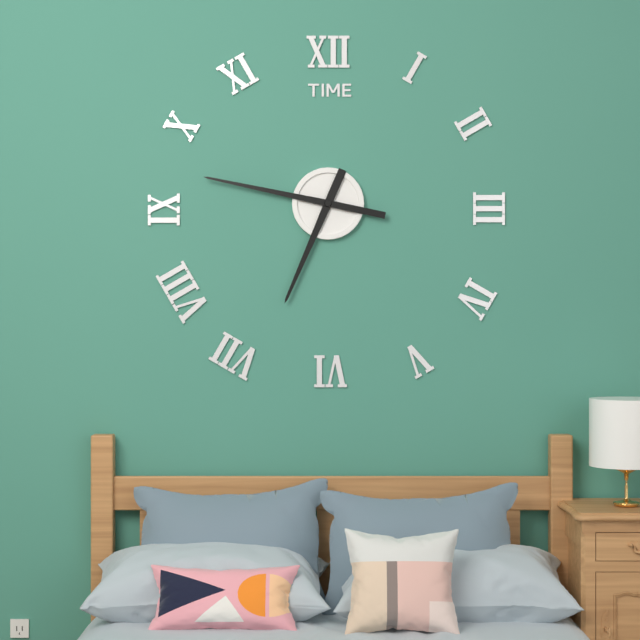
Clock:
6:47
